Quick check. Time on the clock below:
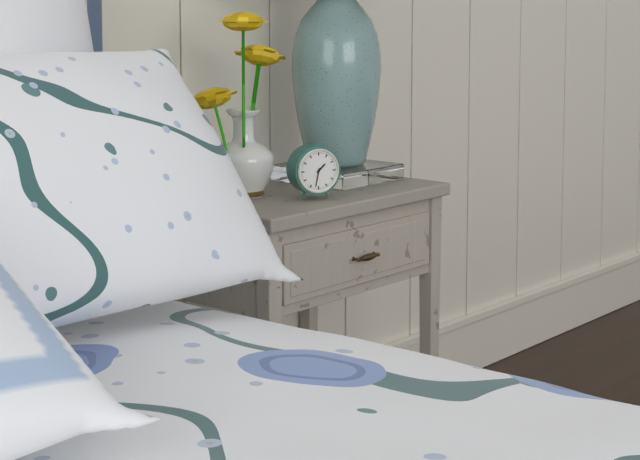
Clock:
1:32
